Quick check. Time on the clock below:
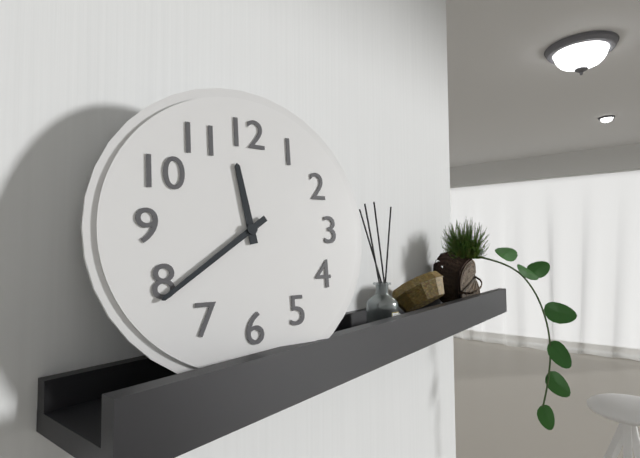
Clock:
11:39
